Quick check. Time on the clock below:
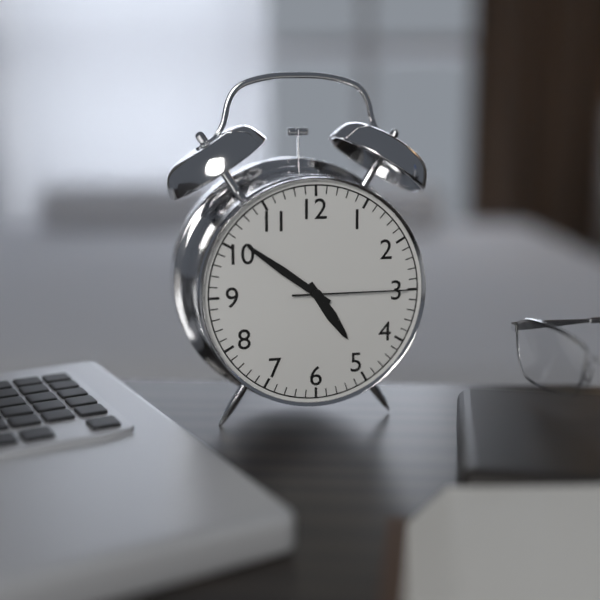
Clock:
4:51:15
